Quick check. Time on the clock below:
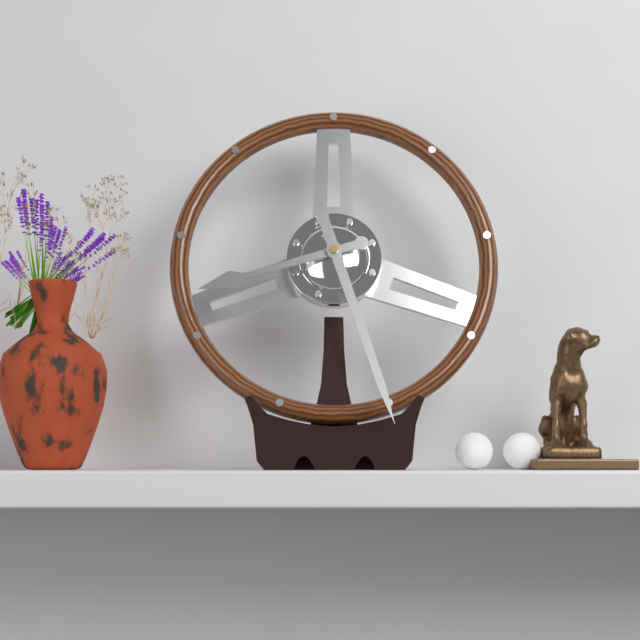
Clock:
8:27
